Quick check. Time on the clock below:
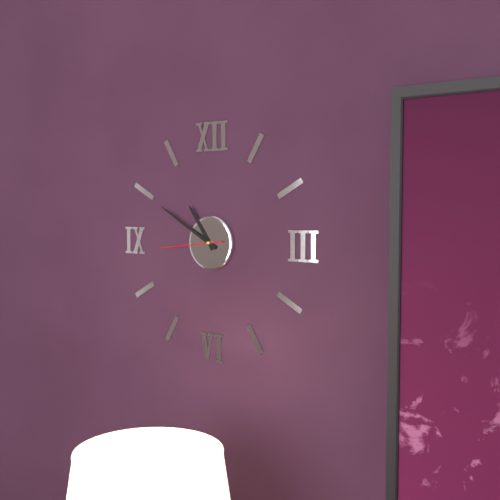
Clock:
10:50:44
